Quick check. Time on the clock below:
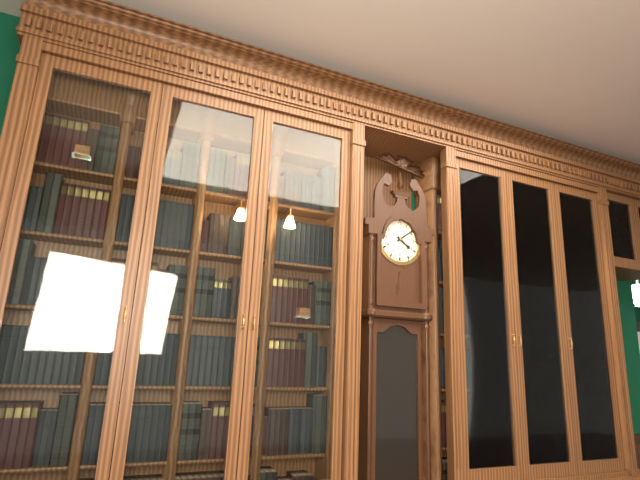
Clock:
4:09
